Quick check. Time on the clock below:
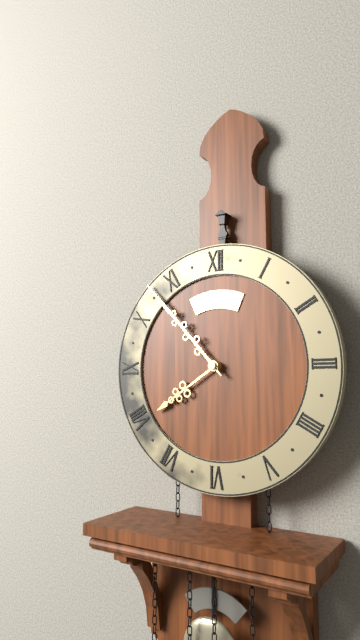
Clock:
7:53
